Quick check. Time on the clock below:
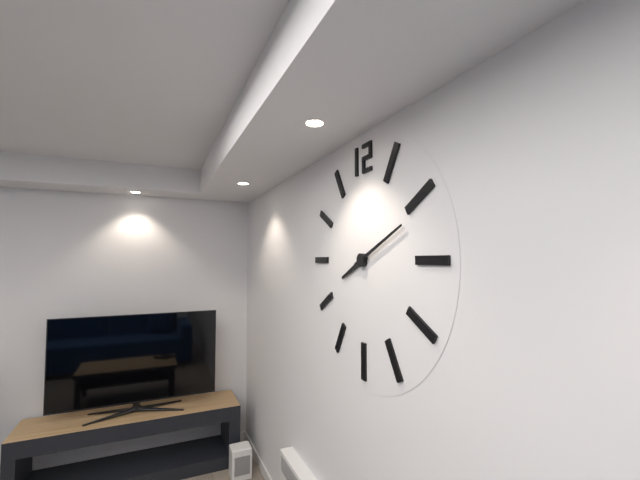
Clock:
8:11
